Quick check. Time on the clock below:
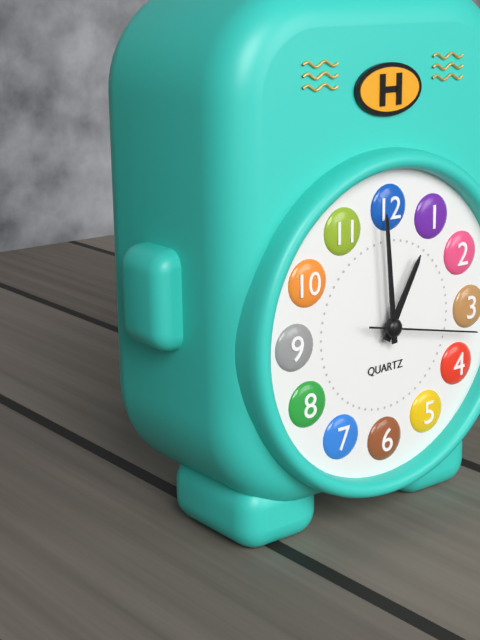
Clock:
12:59:17
